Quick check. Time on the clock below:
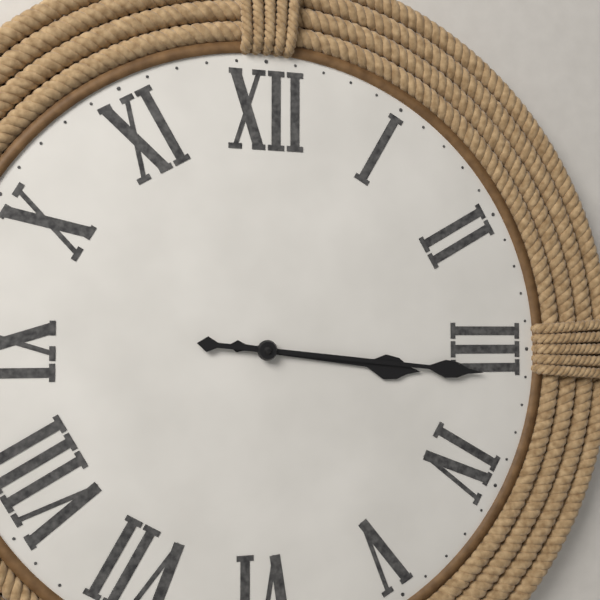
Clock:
3:16
